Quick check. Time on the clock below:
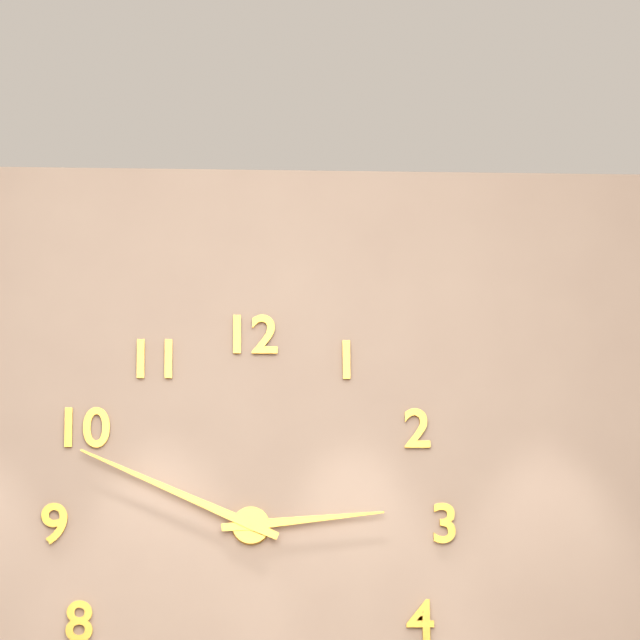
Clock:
2:49
